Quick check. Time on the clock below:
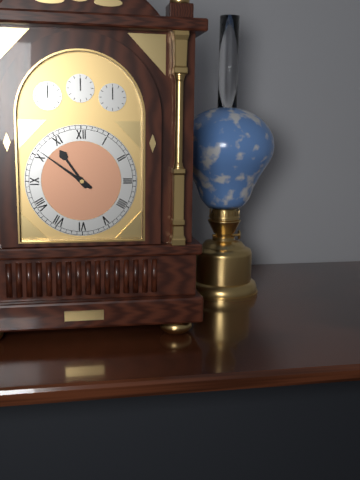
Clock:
10:51
